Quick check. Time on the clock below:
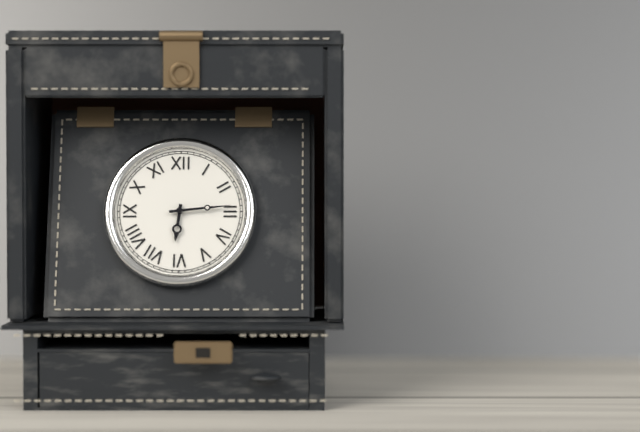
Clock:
6:14
